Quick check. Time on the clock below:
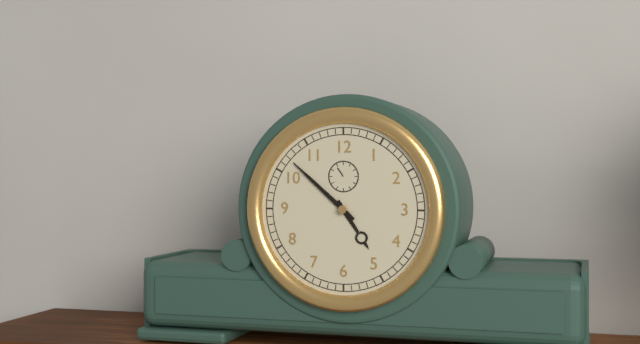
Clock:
4:52
